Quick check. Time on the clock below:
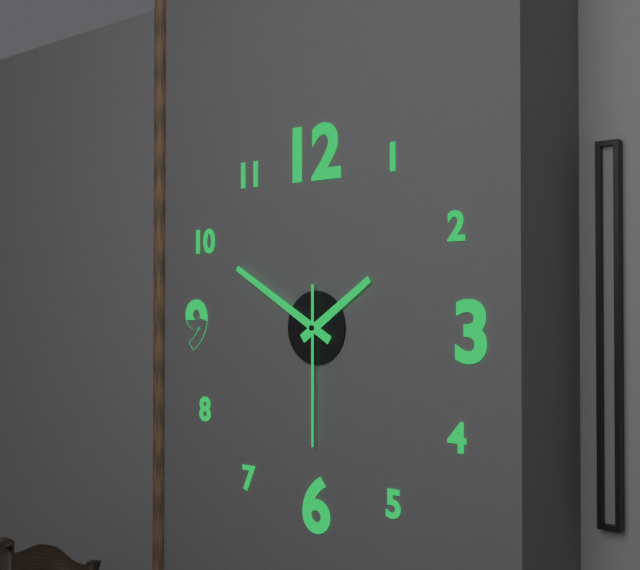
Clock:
1:50:30
